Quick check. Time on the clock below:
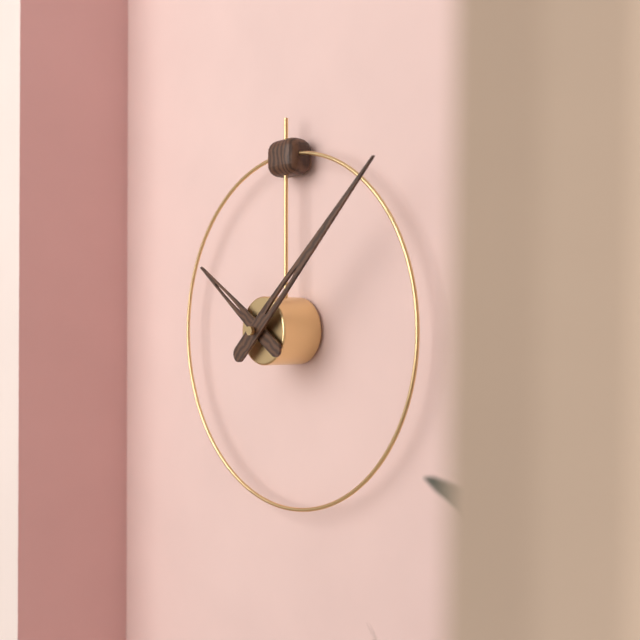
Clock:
10:08
